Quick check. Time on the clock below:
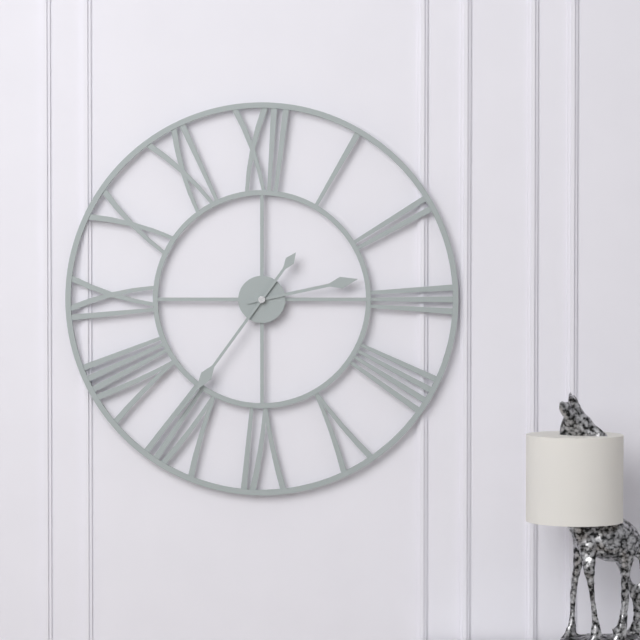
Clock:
2:36
